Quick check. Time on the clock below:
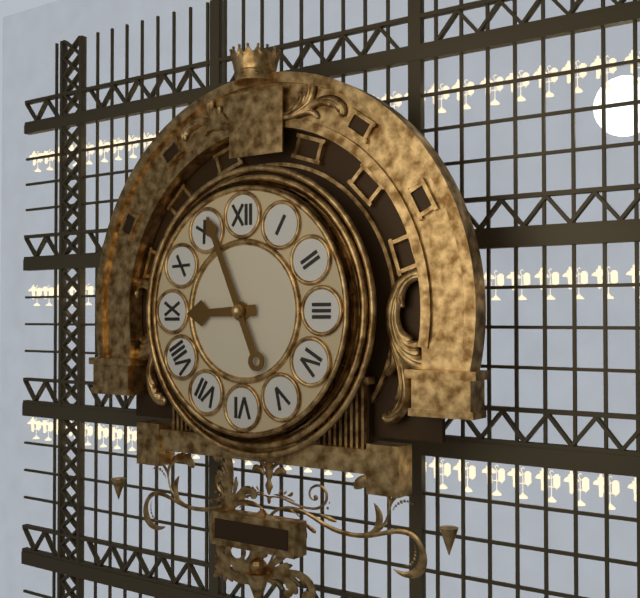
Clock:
8:56
